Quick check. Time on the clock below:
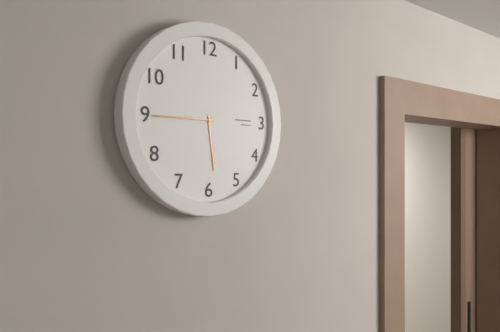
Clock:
5:45
